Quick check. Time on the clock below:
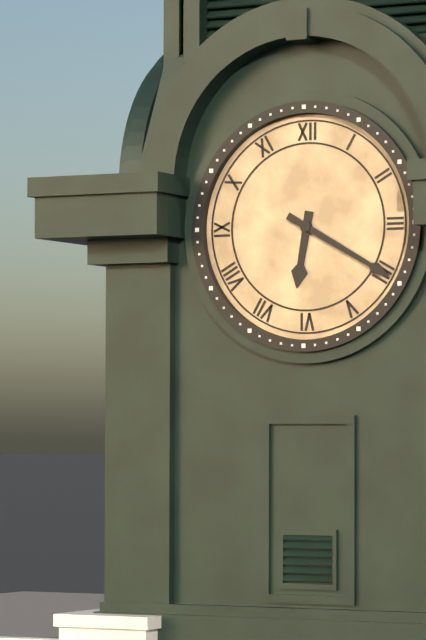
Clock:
6:20
